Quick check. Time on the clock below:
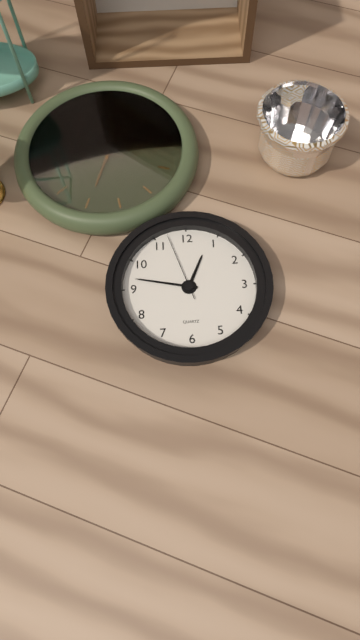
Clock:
12:47:57
